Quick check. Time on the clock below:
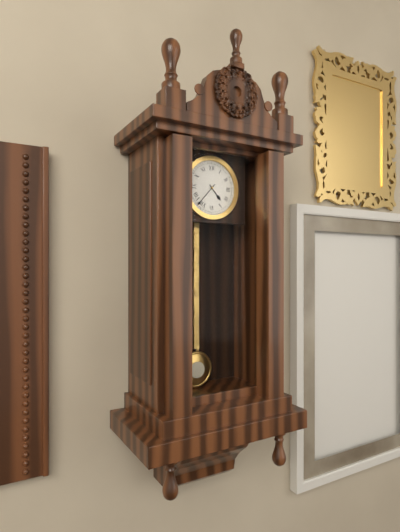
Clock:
4:37
